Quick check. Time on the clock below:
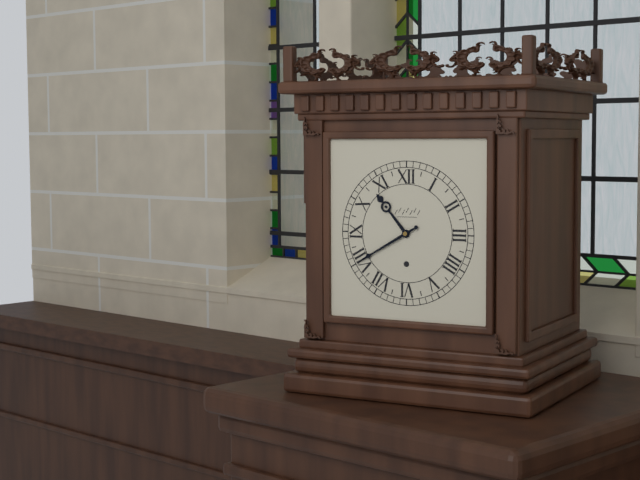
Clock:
10:40
